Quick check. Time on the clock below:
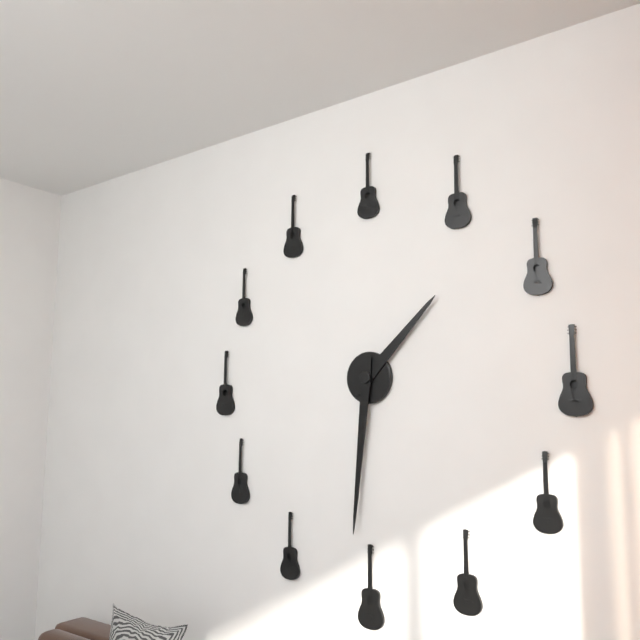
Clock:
1:31
